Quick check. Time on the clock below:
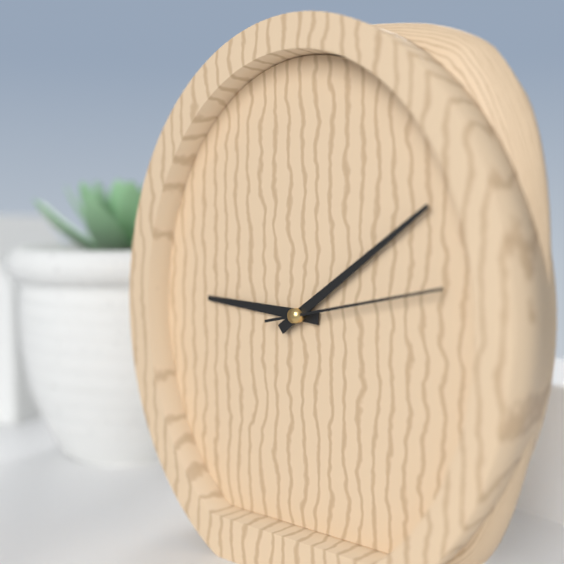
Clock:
9:09:13
